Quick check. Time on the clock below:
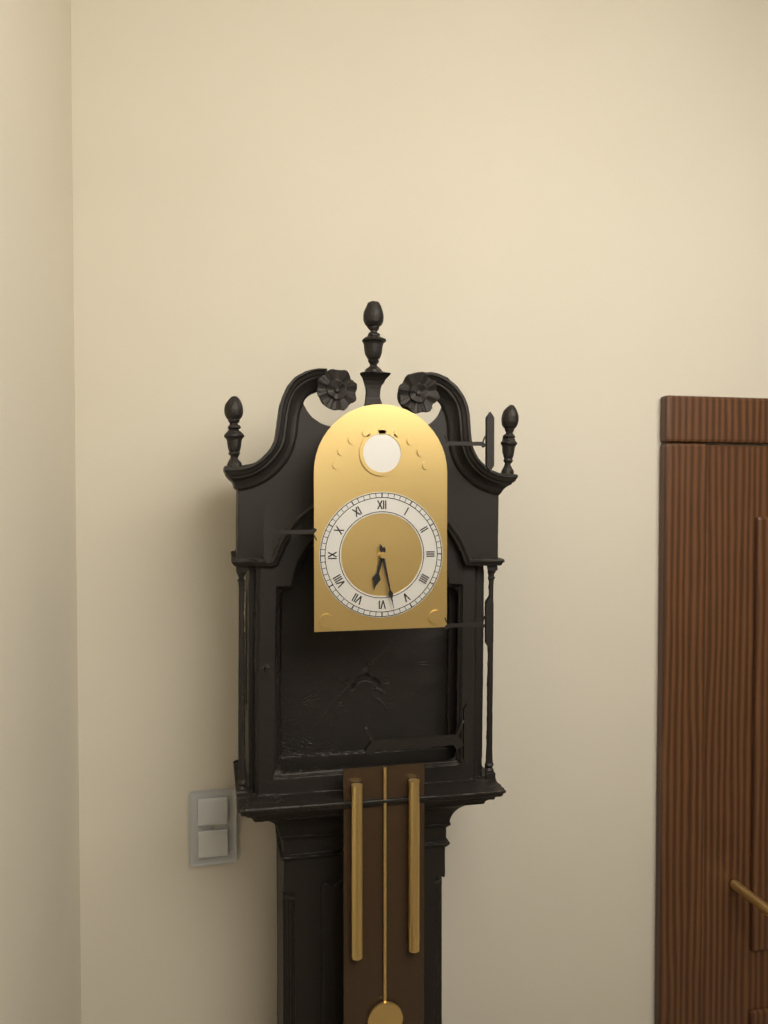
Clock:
6:28
